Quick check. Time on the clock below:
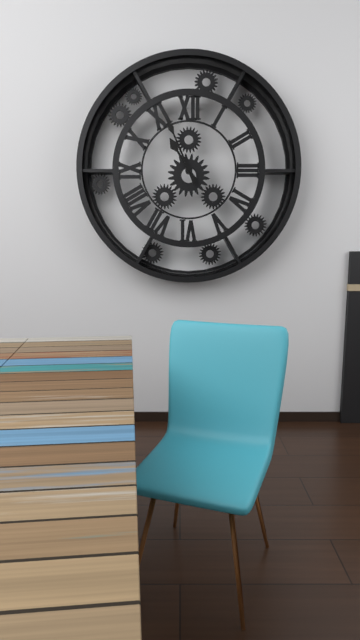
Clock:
10:56
